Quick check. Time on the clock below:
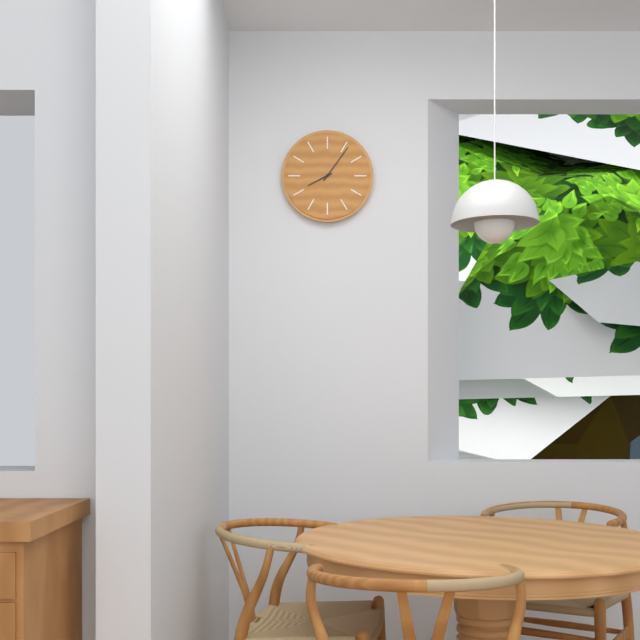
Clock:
8:06
